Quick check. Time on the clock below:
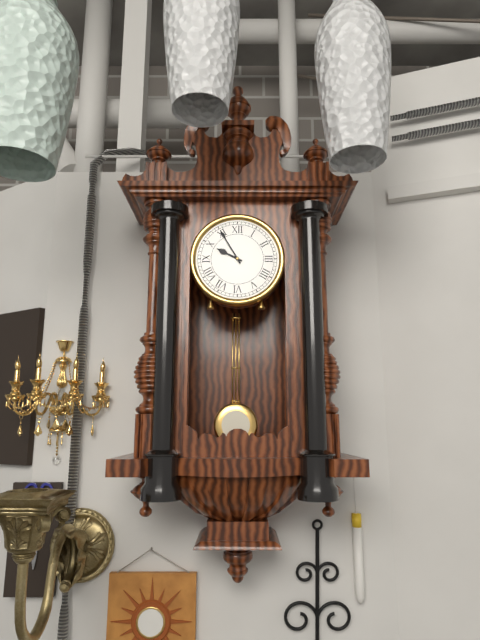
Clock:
9:55
